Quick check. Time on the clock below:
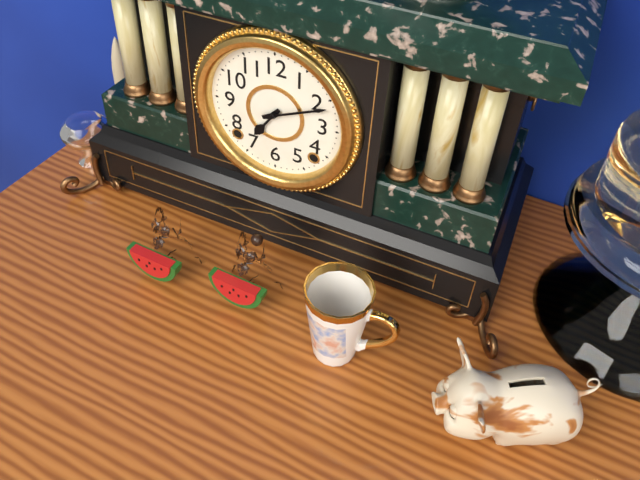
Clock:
7:11
